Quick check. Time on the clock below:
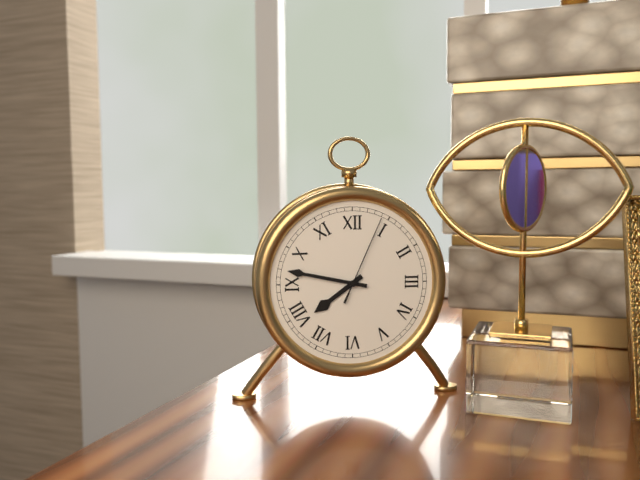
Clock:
7:47:04
